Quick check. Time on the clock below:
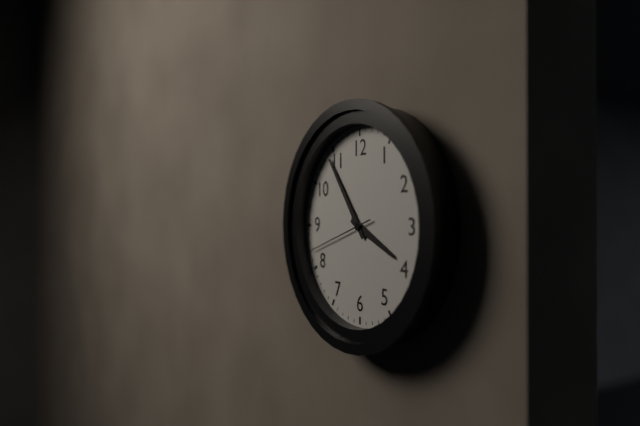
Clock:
3:54:42
